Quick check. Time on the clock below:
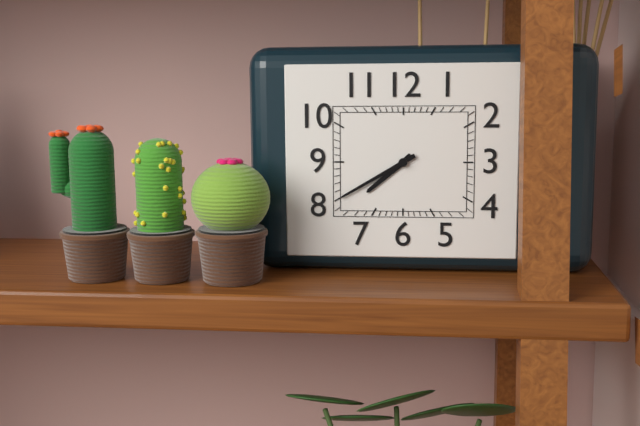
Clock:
7:40
